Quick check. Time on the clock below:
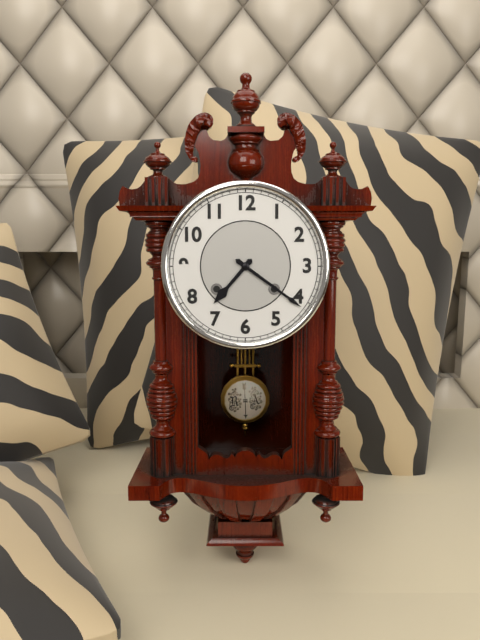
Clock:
7:21
